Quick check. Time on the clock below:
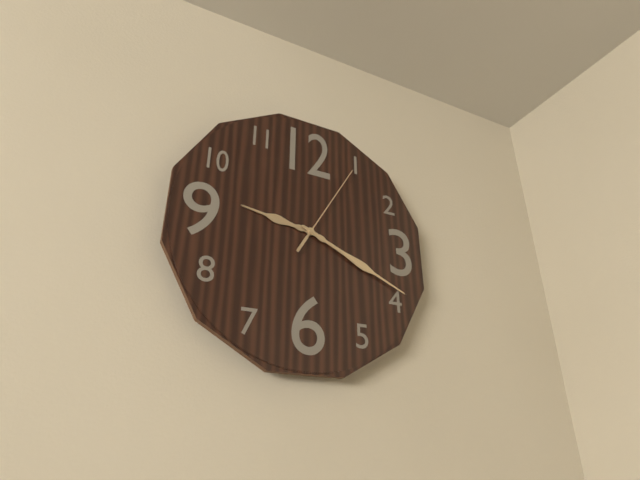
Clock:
9:19:05
